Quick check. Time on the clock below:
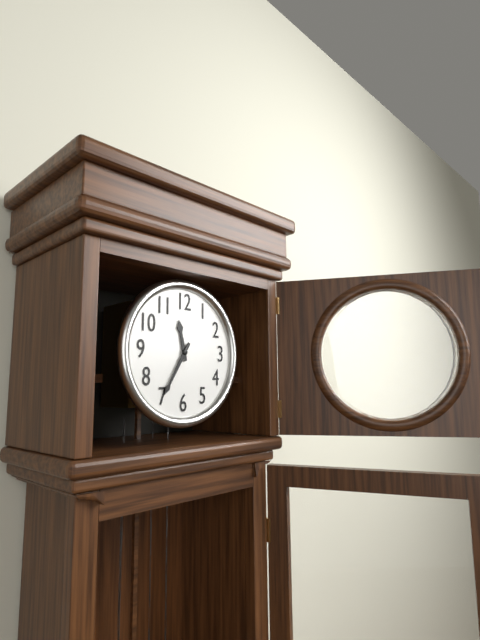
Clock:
11:35
